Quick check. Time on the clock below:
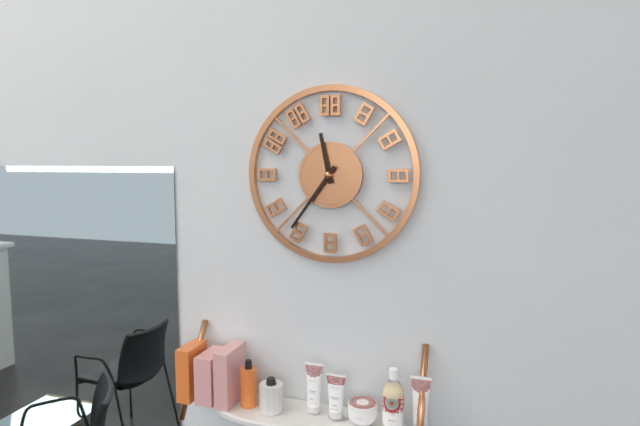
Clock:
11:36
